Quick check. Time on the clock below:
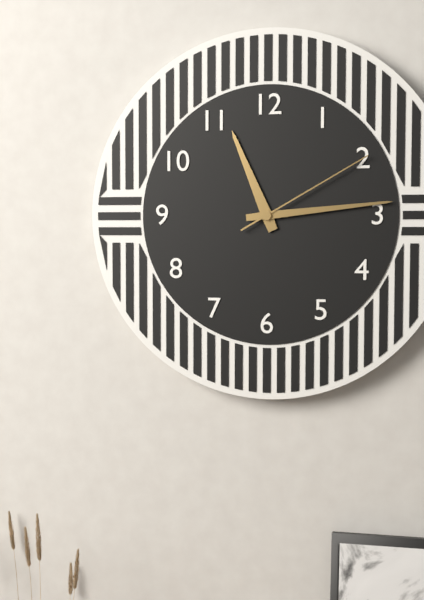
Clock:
11:14:10
